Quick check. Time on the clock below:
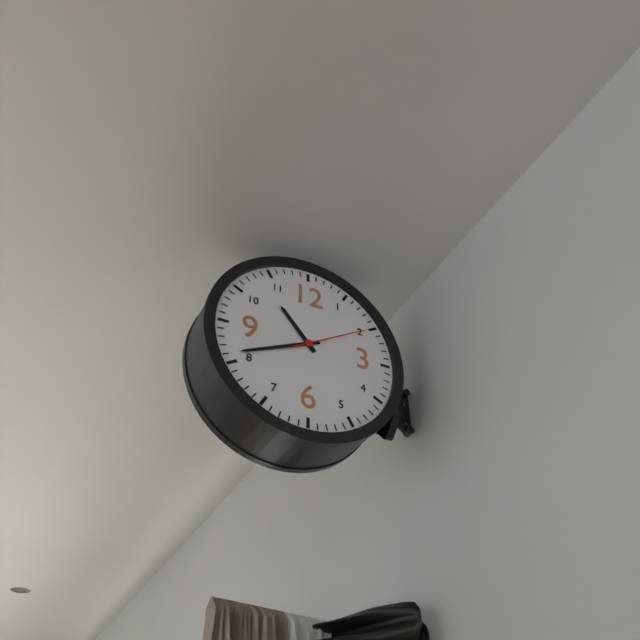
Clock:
10:41:10
